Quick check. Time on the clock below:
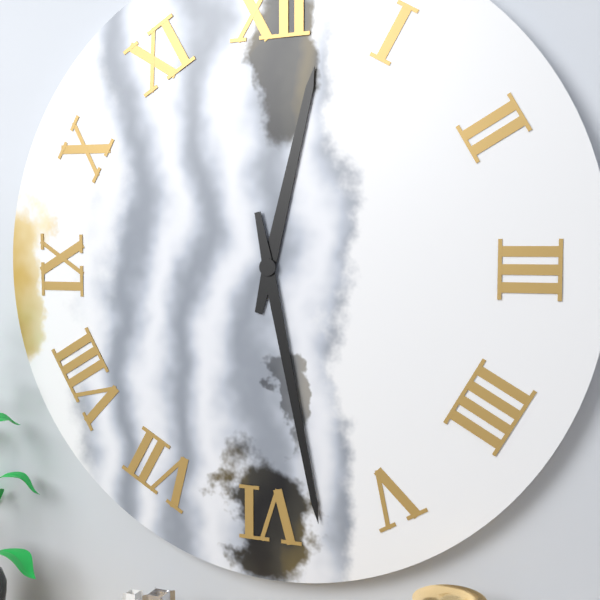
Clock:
12:28
